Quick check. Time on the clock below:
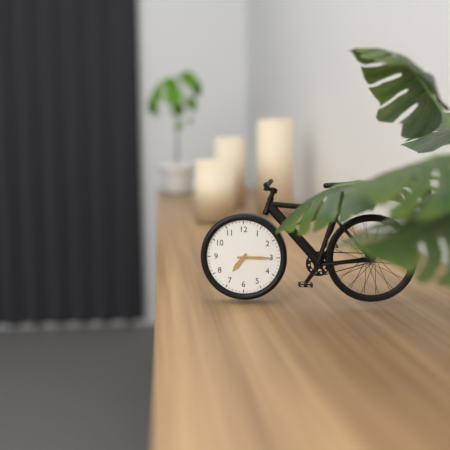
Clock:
7:15
